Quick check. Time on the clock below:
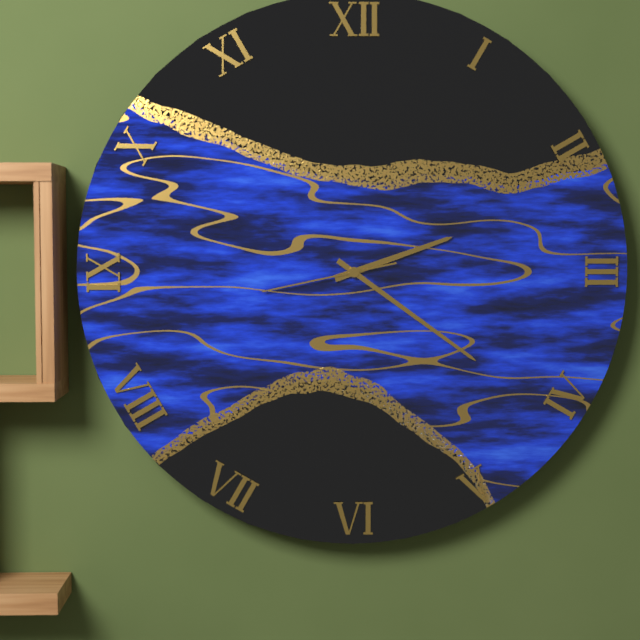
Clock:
2:21:43
